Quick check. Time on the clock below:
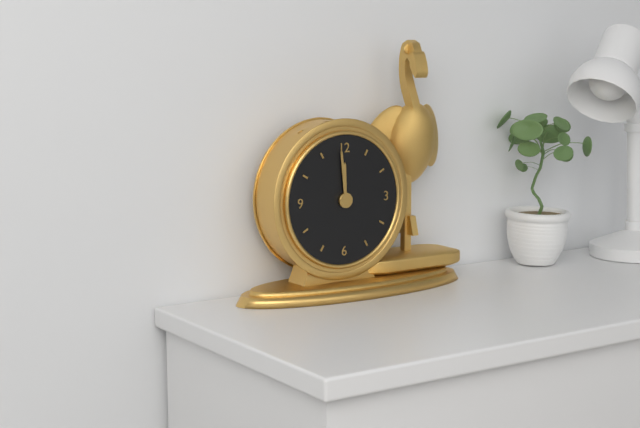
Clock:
11:59
